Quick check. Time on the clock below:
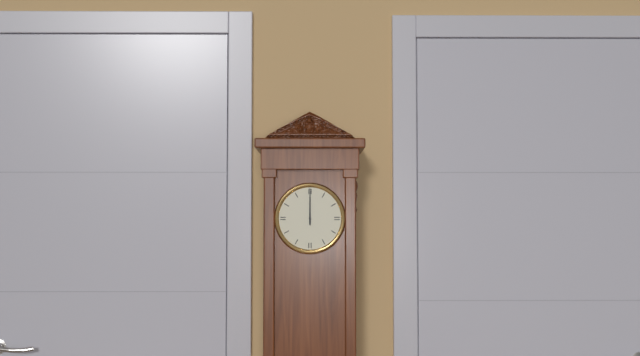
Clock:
12:00
